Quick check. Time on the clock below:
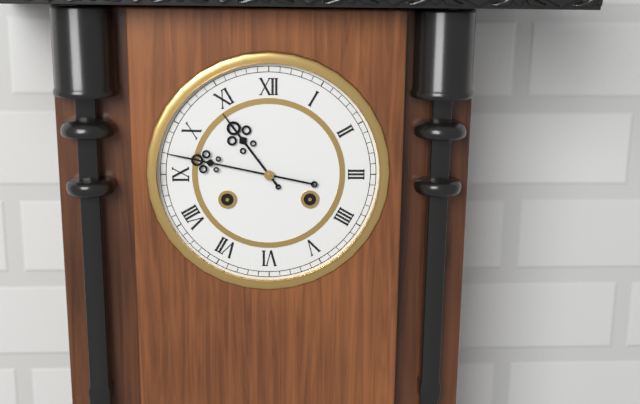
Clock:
10:47
